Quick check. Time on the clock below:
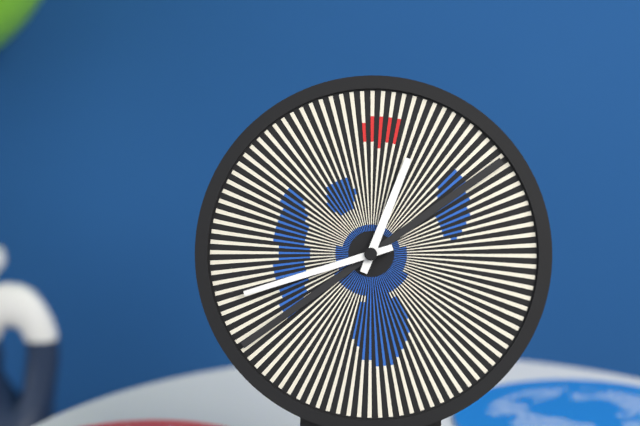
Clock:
12:42
